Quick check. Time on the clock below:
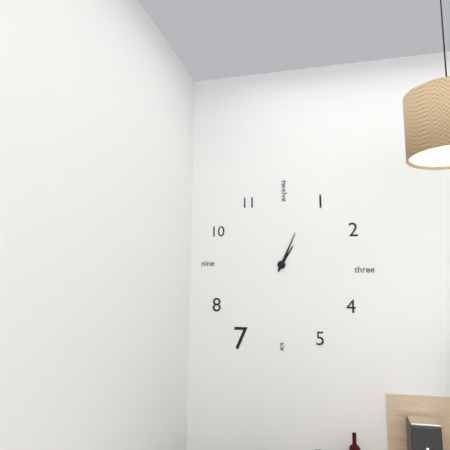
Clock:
1:04
